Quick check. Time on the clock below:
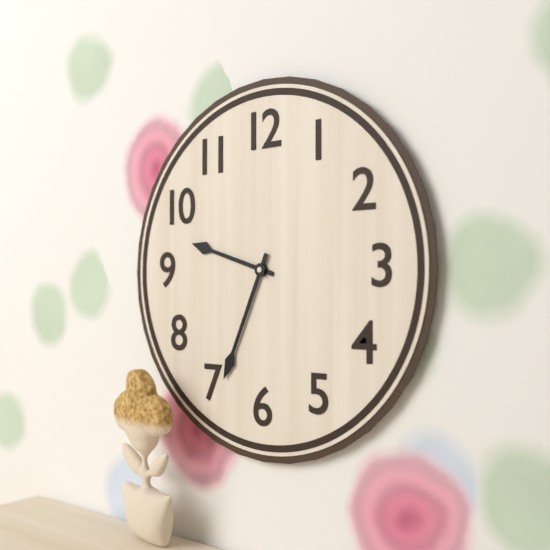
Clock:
9:34
